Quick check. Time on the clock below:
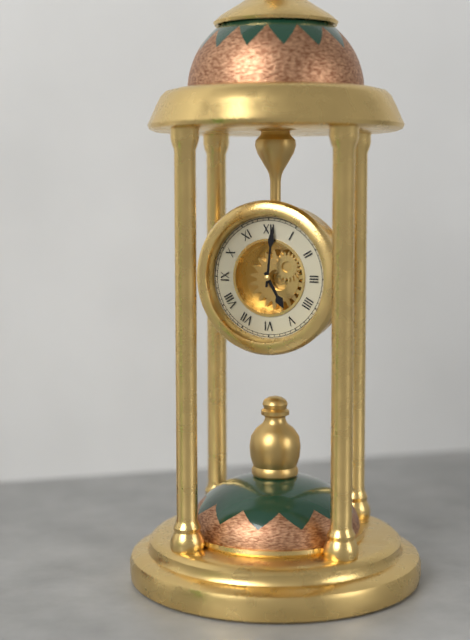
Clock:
5:01
